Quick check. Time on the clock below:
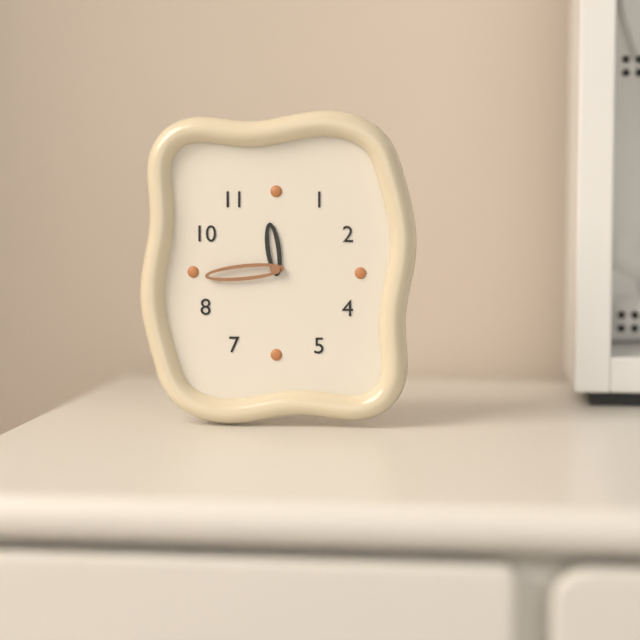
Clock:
11:44
